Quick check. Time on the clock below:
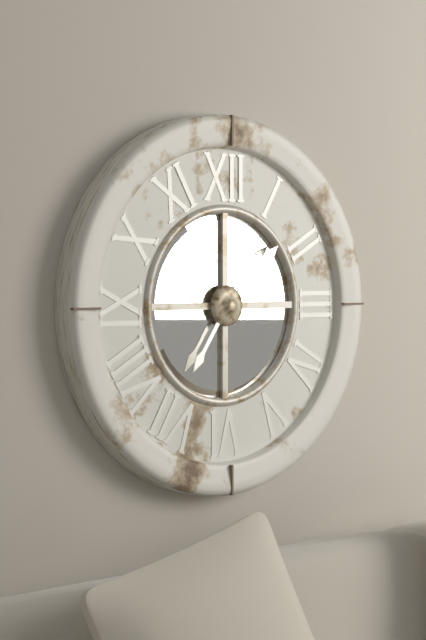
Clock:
7:08
